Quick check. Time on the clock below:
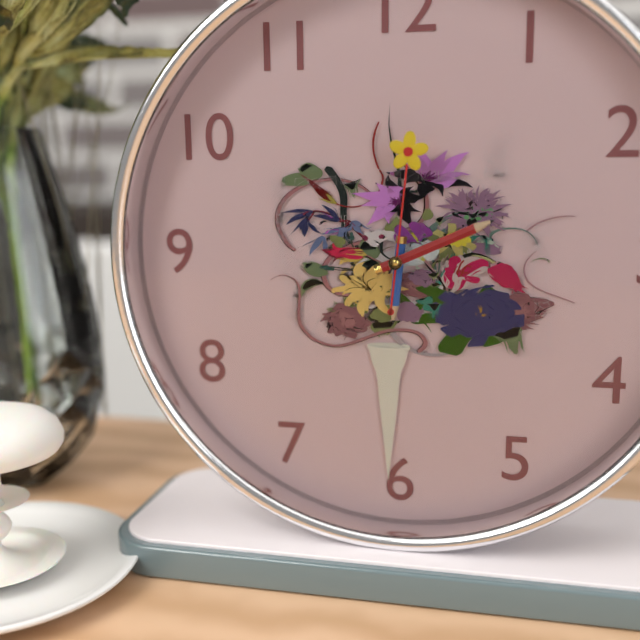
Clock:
6:11:01
